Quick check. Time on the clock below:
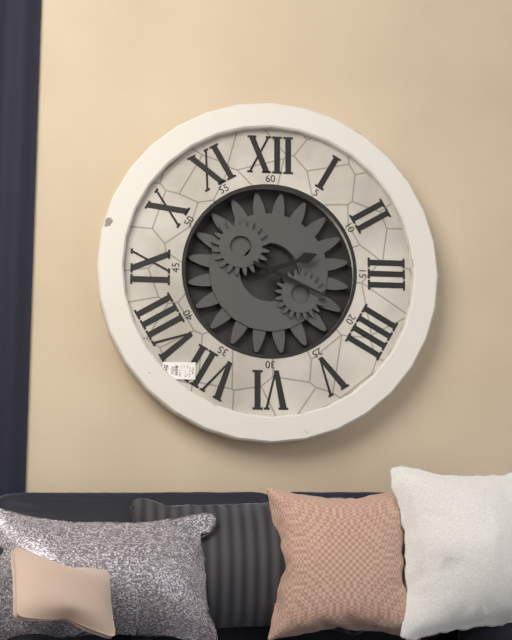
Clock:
2:19
